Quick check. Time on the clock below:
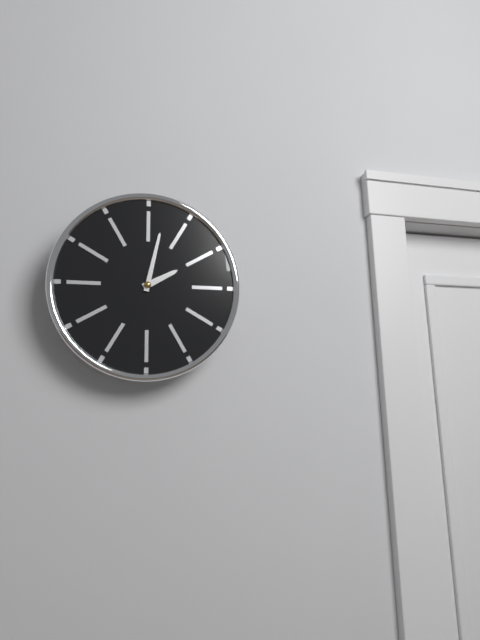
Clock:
2:02
